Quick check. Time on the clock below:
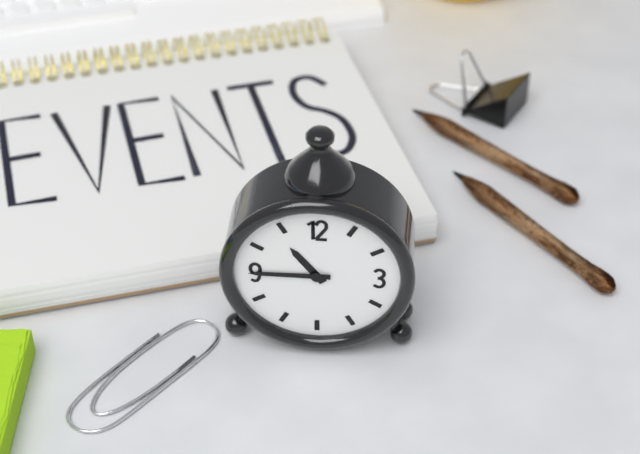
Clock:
10:45
